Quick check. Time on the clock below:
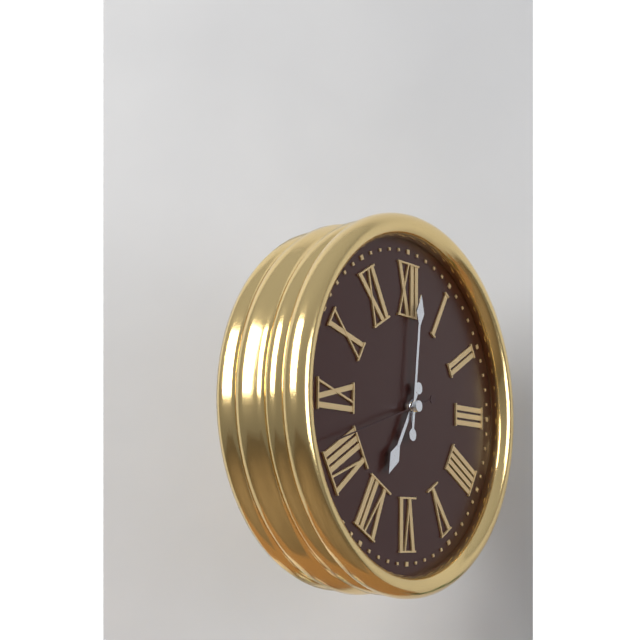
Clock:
7:01:42
